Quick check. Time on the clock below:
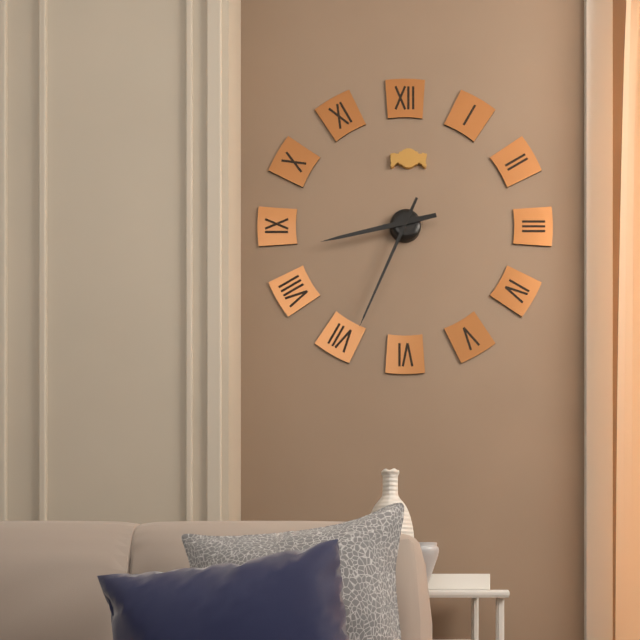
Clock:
8:34
